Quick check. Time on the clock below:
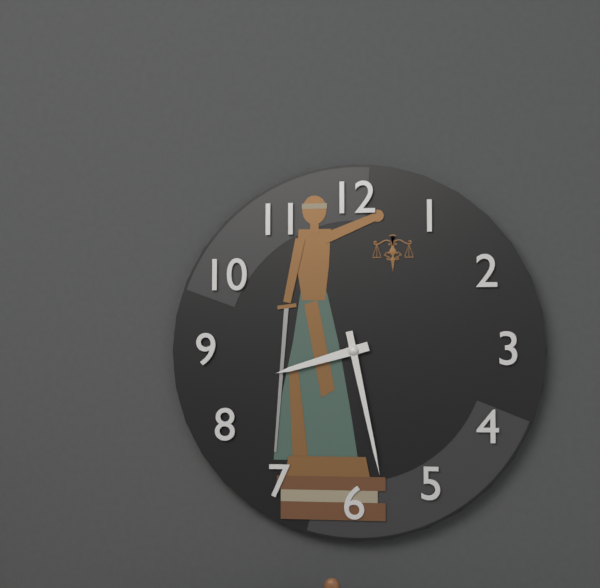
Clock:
8:28
